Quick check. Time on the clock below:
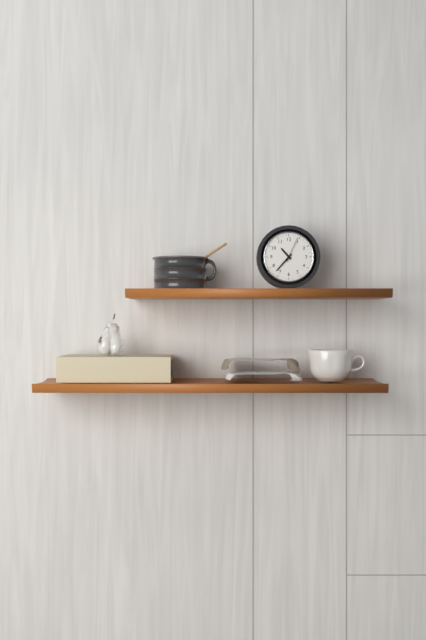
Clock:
10:37
